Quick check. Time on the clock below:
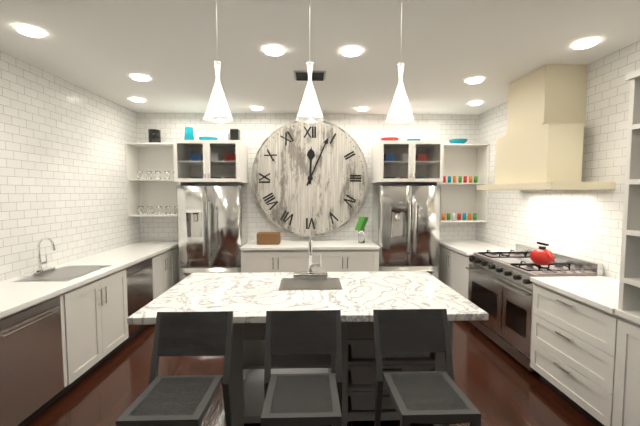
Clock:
12:04
